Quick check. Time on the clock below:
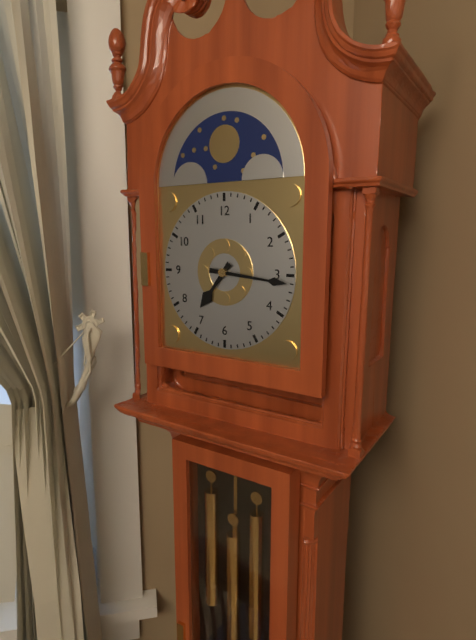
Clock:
7:16
